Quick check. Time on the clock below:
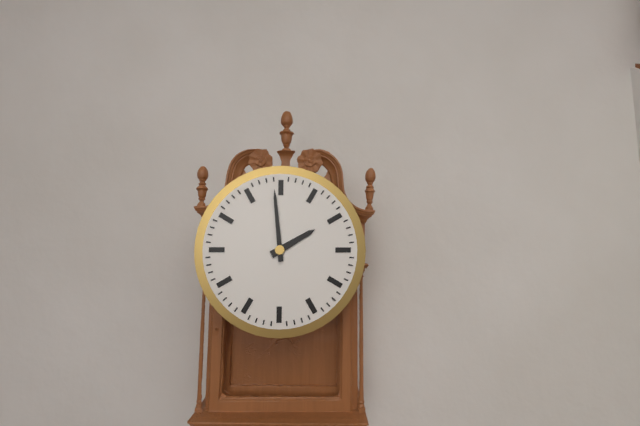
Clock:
1:59
